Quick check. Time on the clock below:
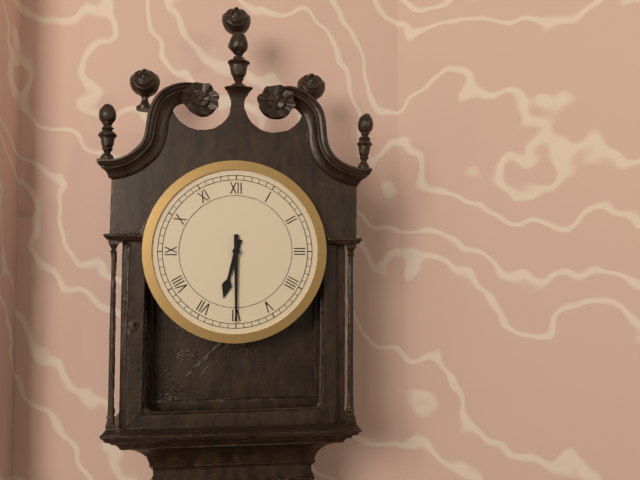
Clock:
6:30
